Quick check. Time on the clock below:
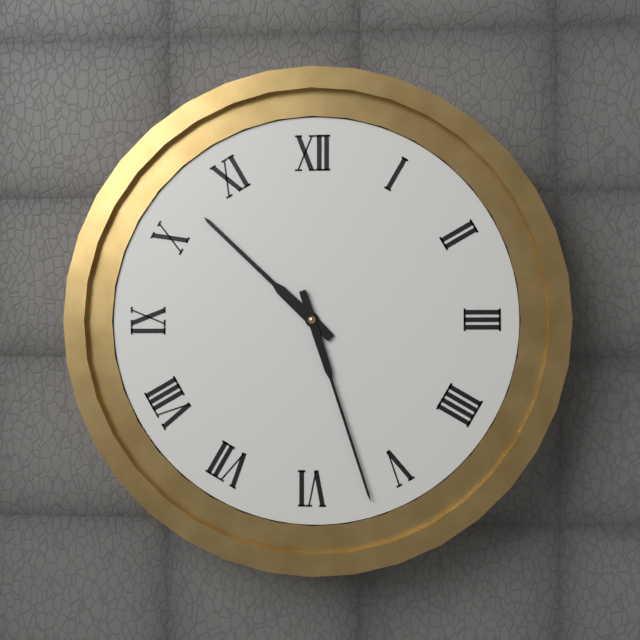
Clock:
10:27
